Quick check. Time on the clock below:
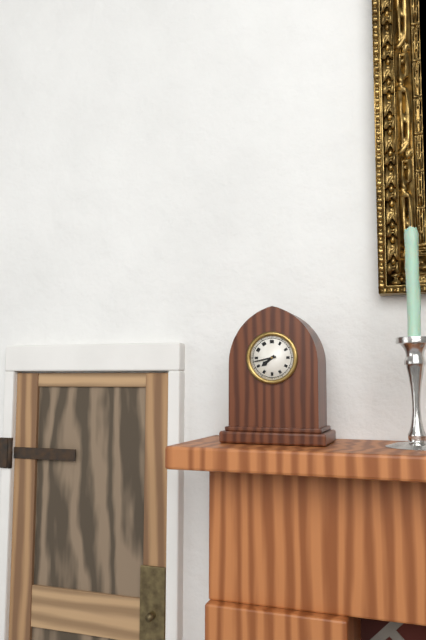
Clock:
7:43
